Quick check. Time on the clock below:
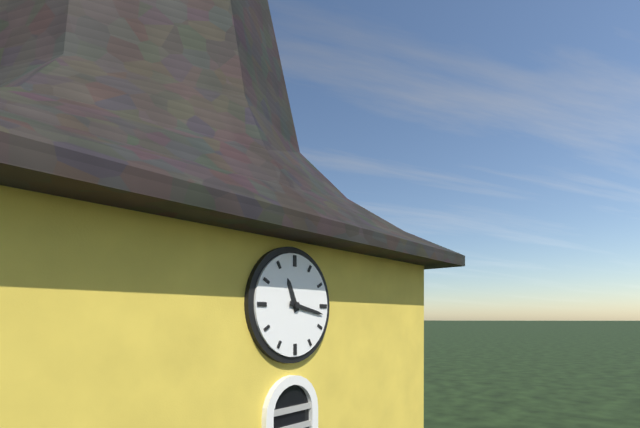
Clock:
11:17
